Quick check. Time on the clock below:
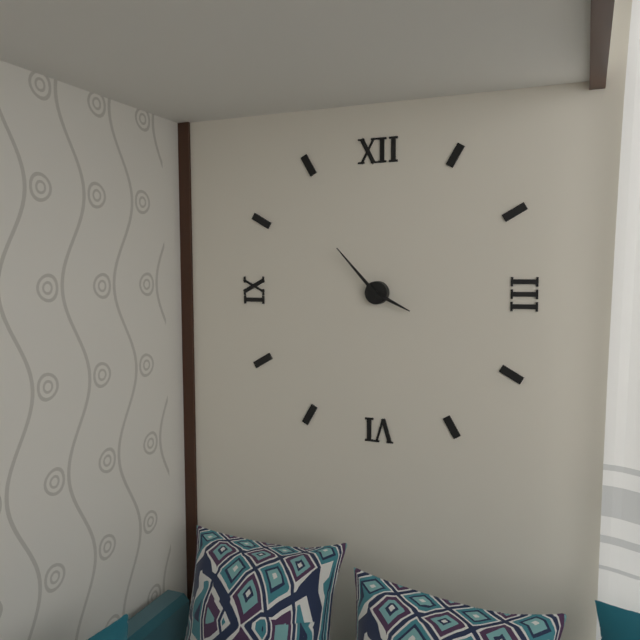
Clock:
3:53
